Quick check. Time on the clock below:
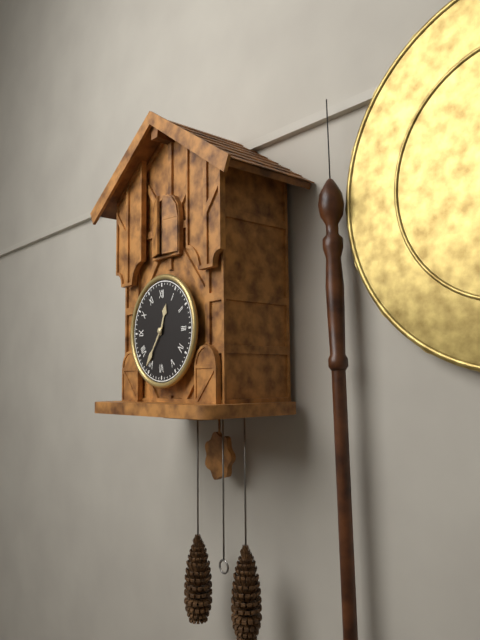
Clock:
12:36
